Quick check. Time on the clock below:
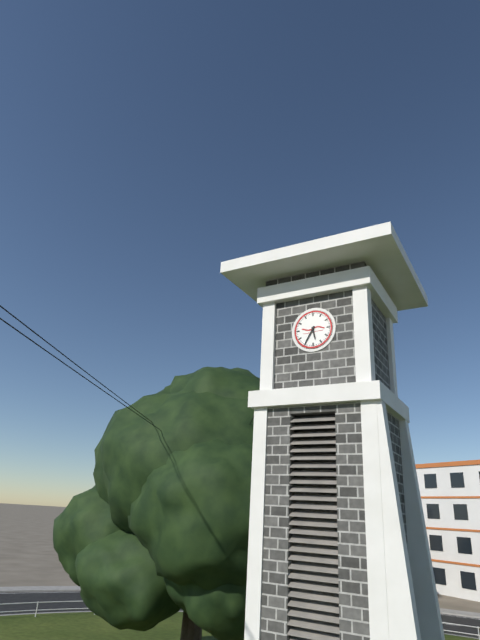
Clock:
5:35
